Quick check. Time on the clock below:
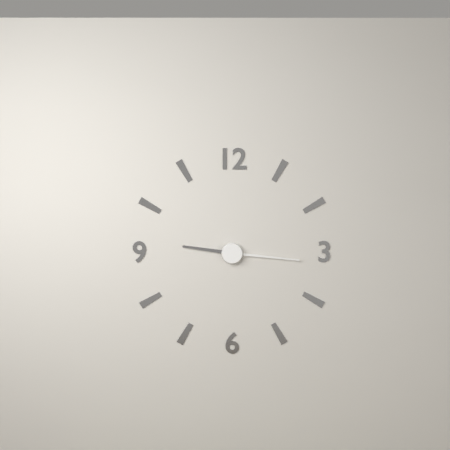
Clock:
9:16
